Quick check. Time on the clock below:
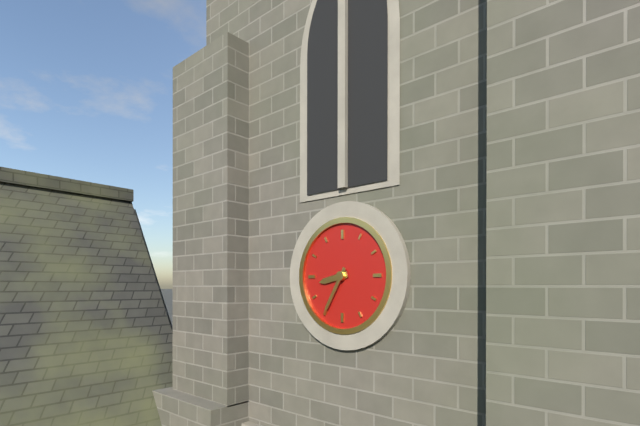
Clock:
8:35
